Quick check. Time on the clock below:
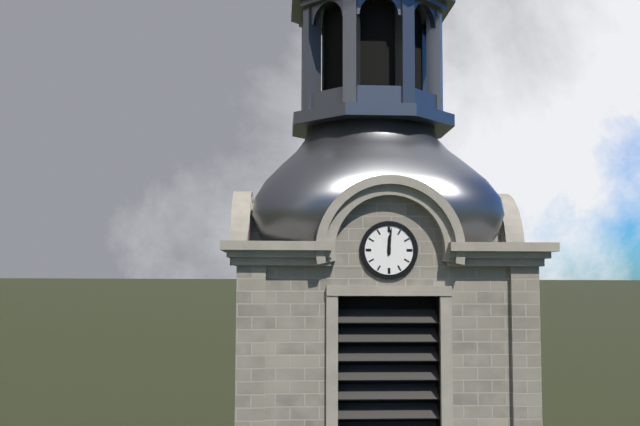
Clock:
12:01
